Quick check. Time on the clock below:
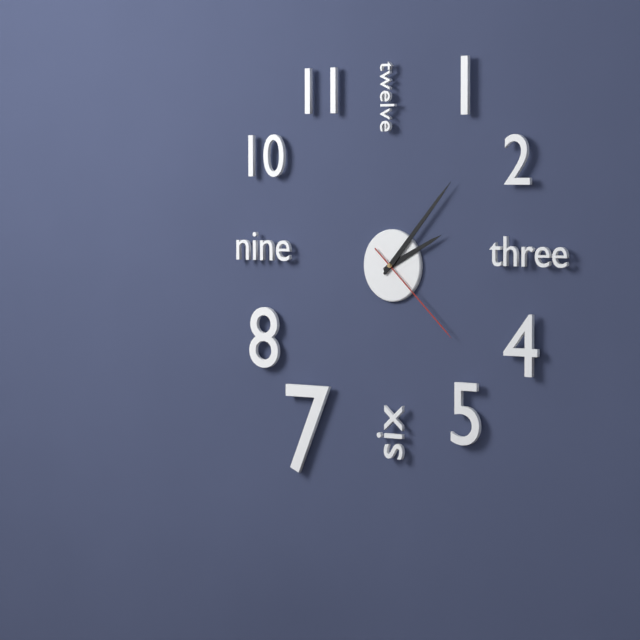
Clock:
2:07:22
